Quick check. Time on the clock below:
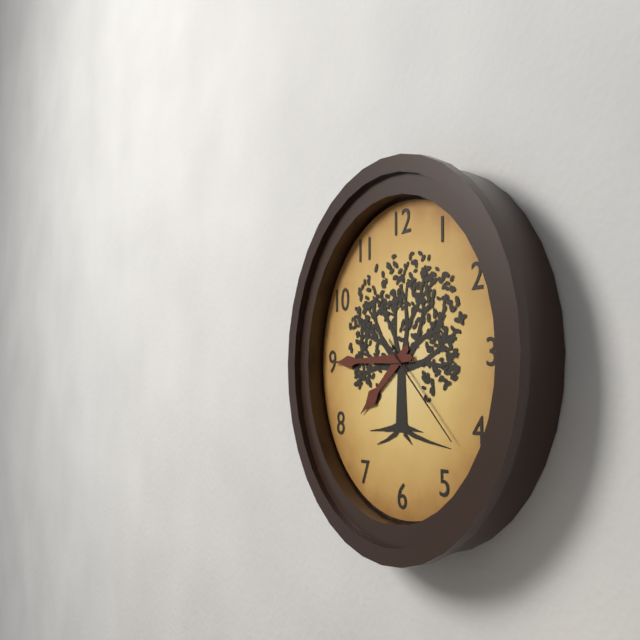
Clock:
7:45:22
